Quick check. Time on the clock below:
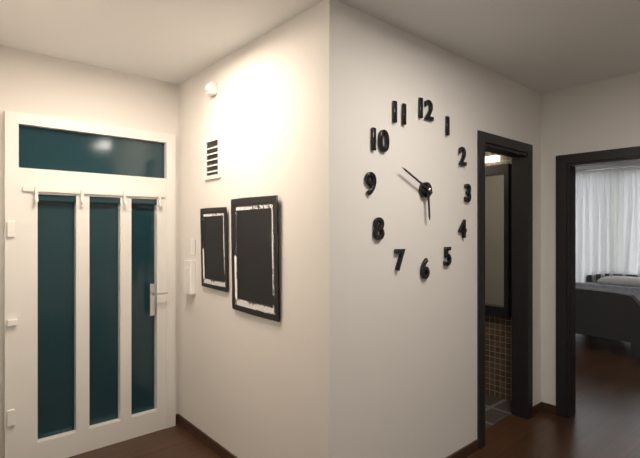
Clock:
5:49
